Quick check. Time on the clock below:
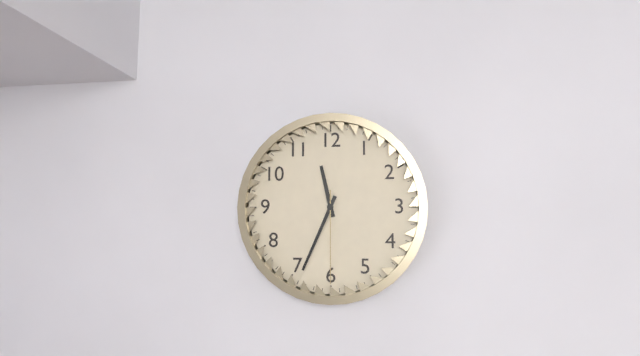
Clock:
11:34:30
